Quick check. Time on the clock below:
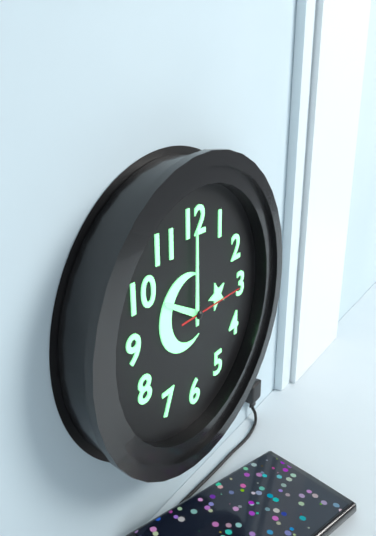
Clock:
10:00:15
